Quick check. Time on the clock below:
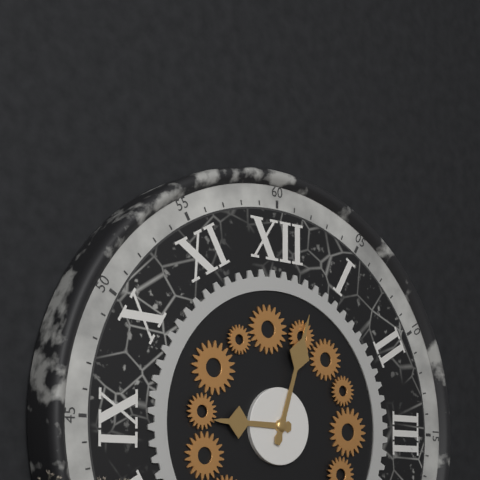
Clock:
9:03
